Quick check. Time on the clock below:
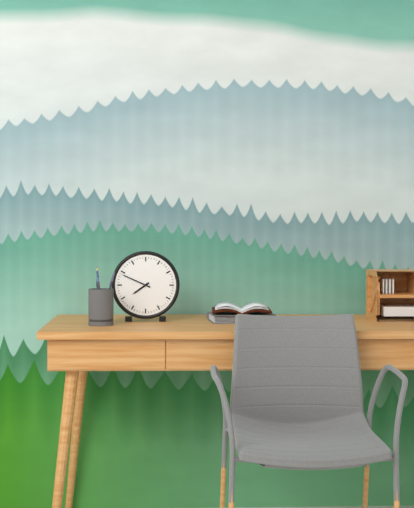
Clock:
7:49
